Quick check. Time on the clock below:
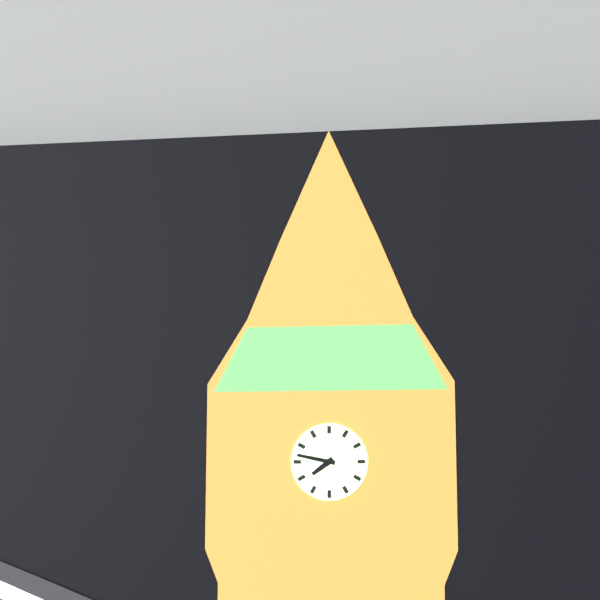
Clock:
7:47
